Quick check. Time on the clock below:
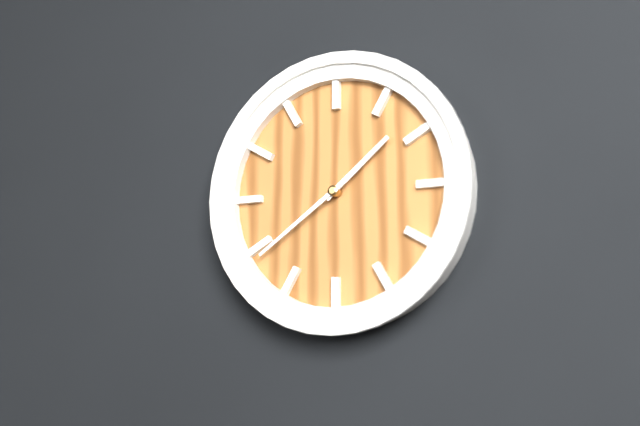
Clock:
1:39
